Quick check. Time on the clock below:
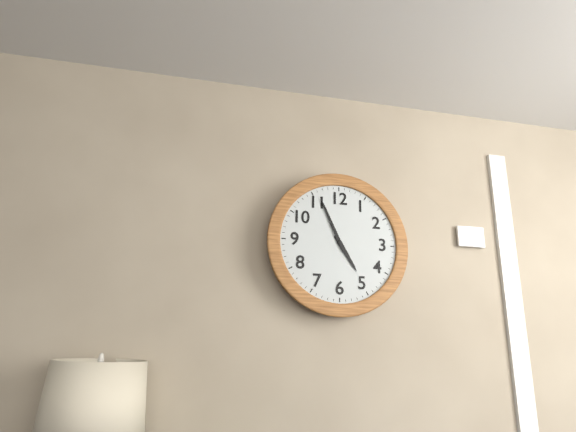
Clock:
4:56
